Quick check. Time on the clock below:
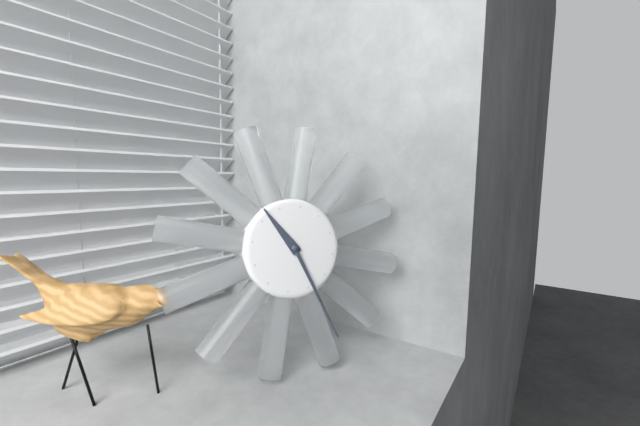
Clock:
10:24
